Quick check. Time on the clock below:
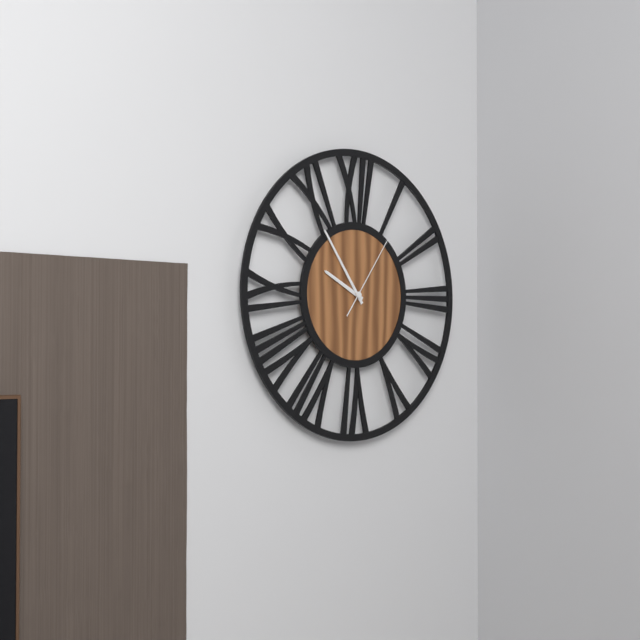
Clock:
9:54:06
